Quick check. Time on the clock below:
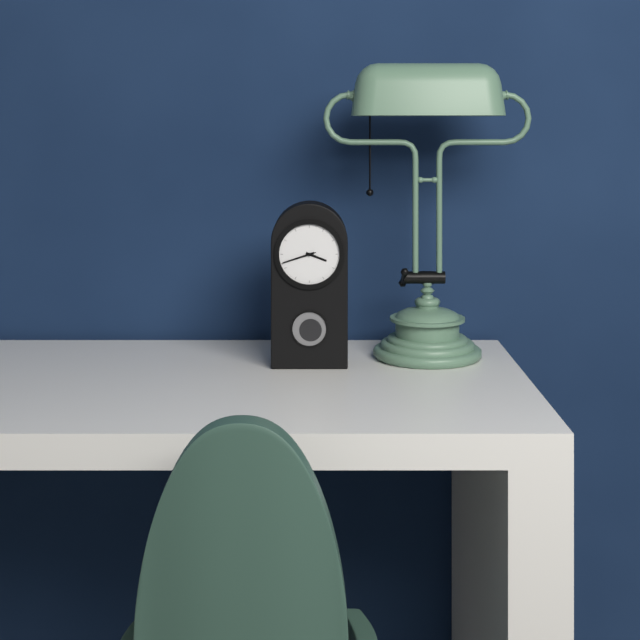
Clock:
3:42
